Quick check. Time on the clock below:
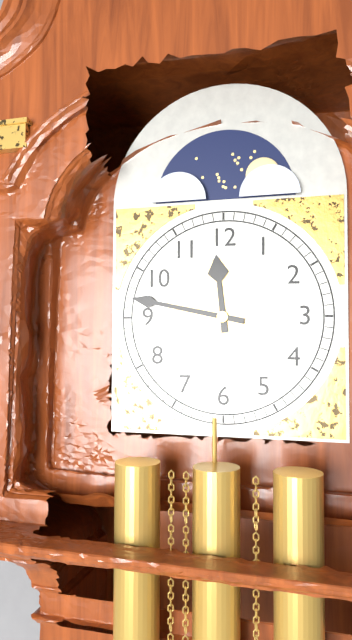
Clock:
11:47
